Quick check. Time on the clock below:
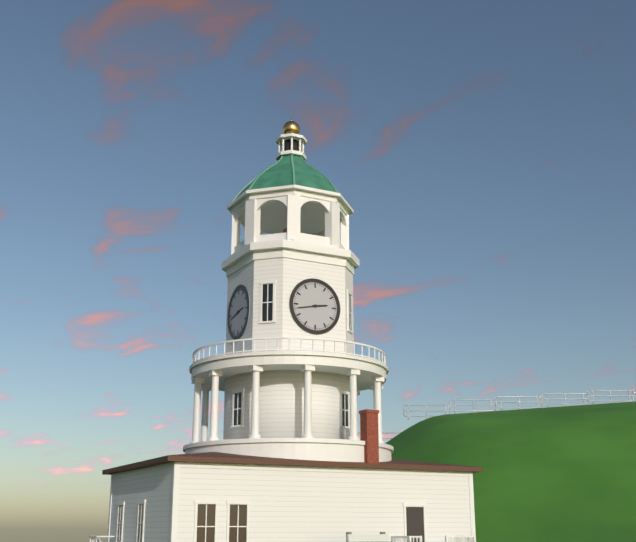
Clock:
2:43
